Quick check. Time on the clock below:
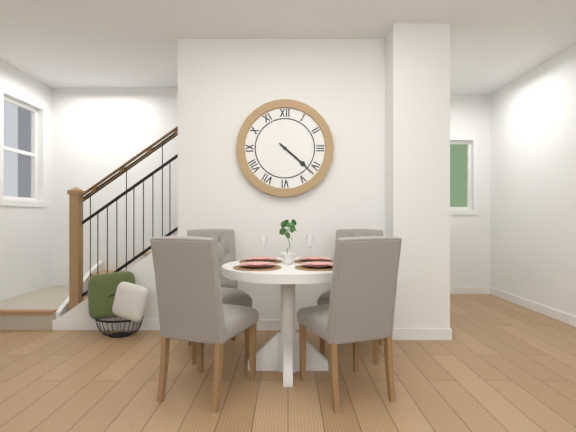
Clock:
4:22
